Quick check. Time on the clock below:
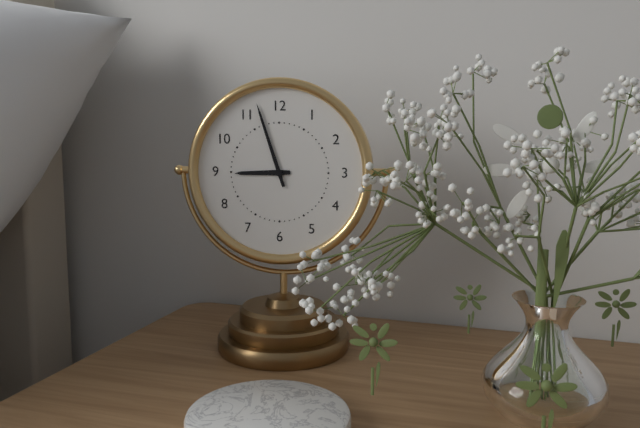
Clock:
8:57
